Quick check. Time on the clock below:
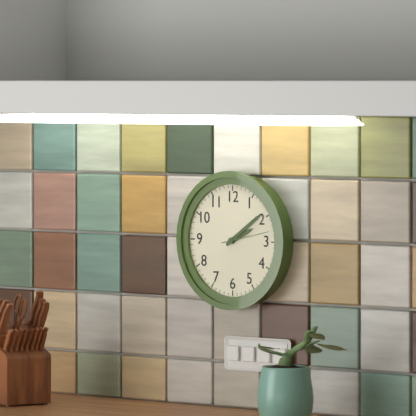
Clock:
2:09
